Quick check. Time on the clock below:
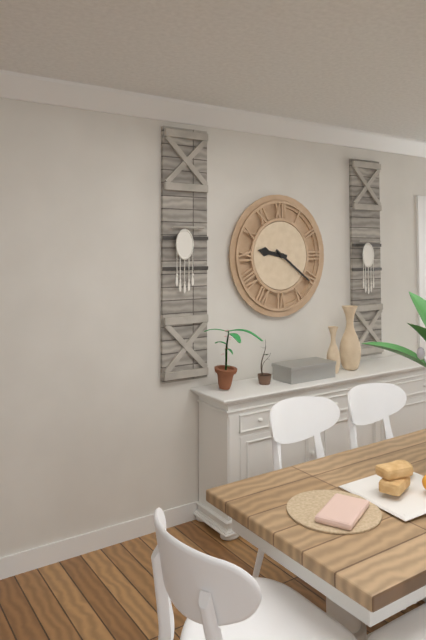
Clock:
9:21
